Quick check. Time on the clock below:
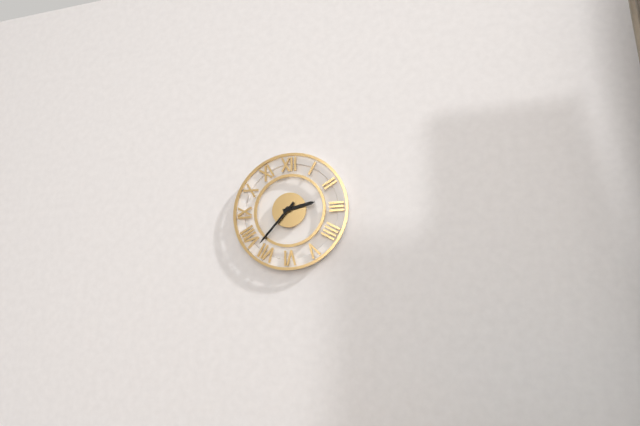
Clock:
2:37
